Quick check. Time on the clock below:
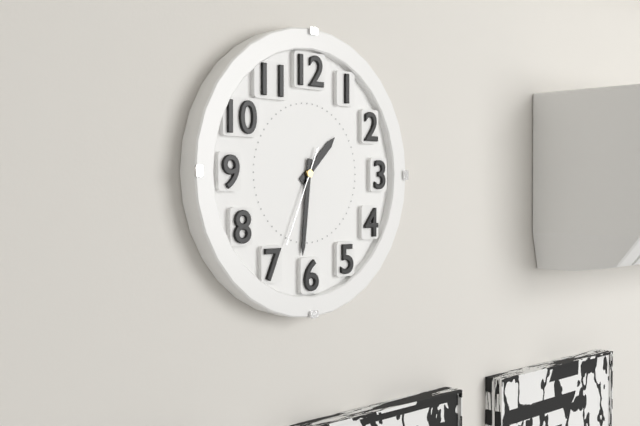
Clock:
1:31:34
